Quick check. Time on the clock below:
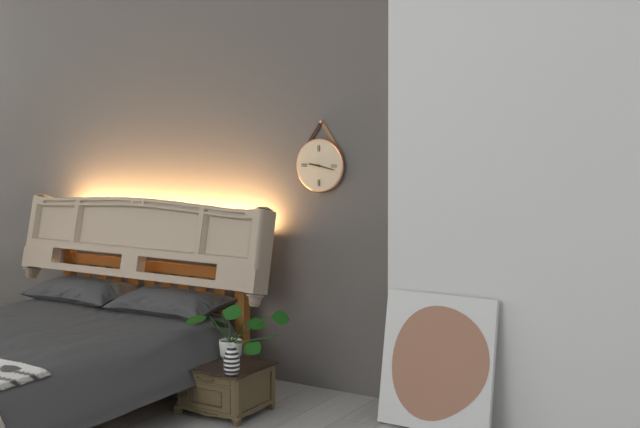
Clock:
9:17
